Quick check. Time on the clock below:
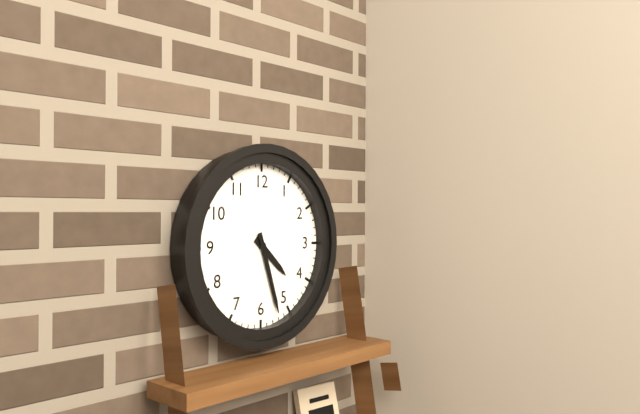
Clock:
4:27
